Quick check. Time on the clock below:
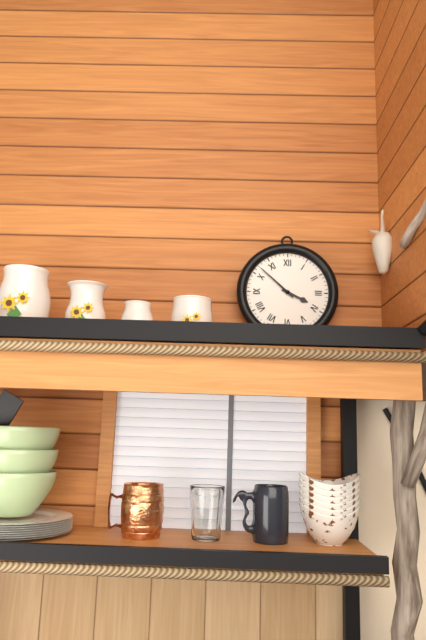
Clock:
3:52
